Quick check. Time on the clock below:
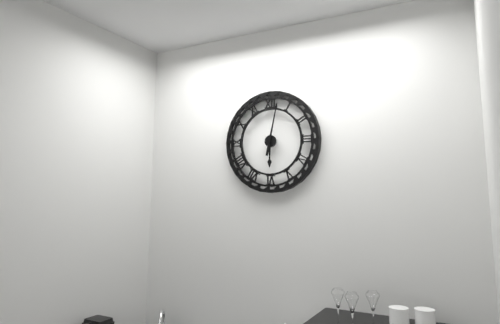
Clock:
6:02
